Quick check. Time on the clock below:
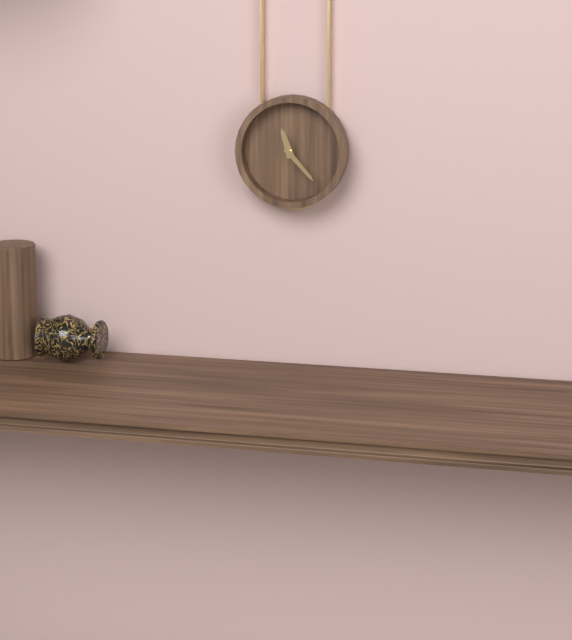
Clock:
11:23
